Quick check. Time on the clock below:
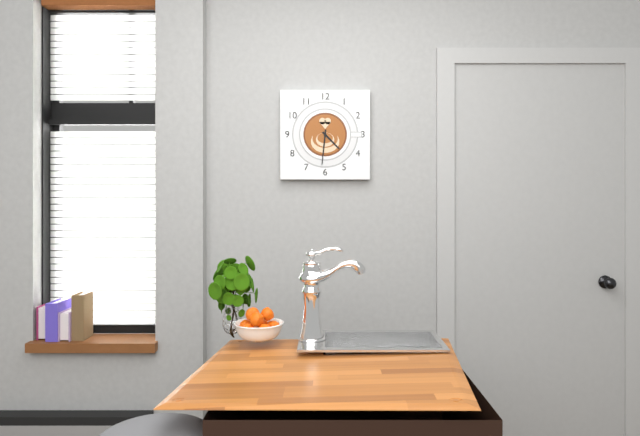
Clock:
4:31
